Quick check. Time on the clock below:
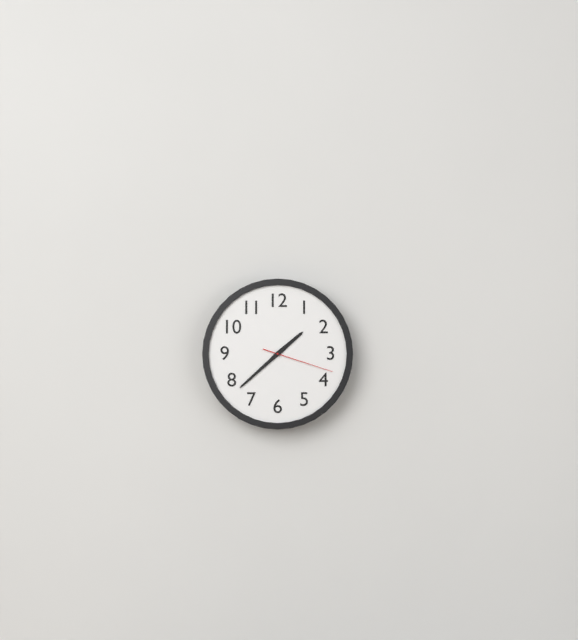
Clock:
1:38:18
